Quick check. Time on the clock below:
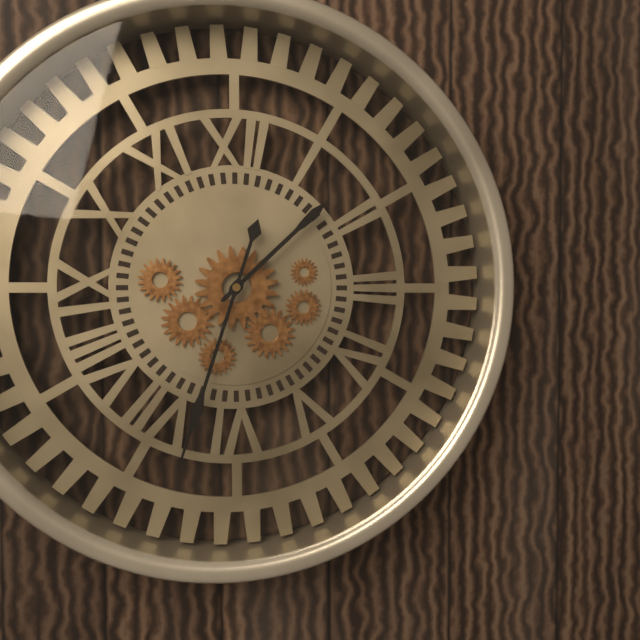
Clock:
1:33
